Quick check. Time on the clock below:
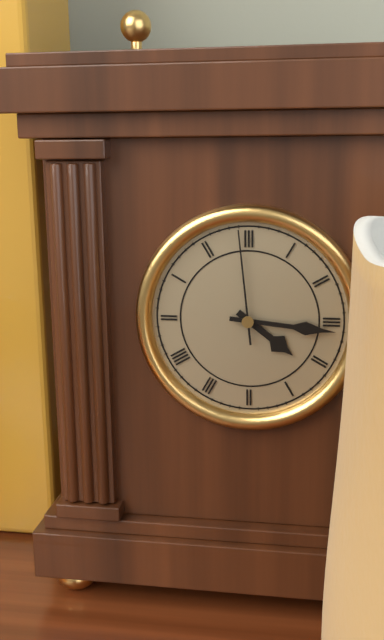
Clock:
4:16:59
